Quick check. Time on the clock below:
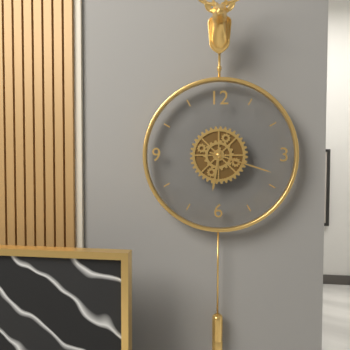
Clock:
6:18
